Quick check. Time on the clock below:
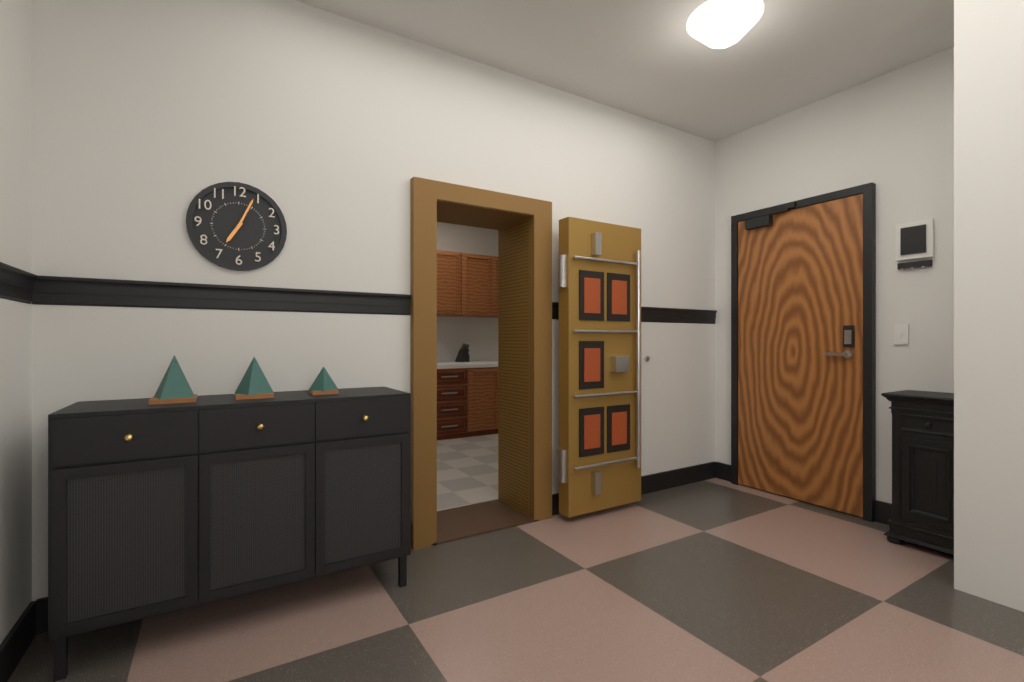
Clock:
7:04
